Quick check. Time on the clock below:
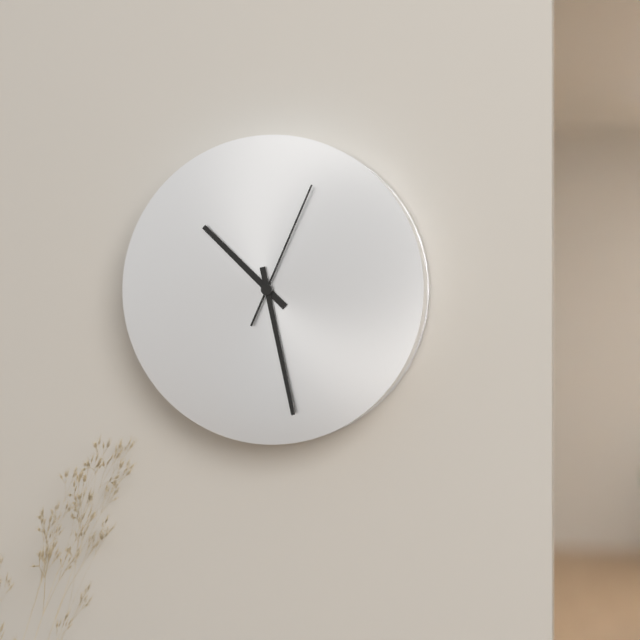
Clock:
10:28:04
